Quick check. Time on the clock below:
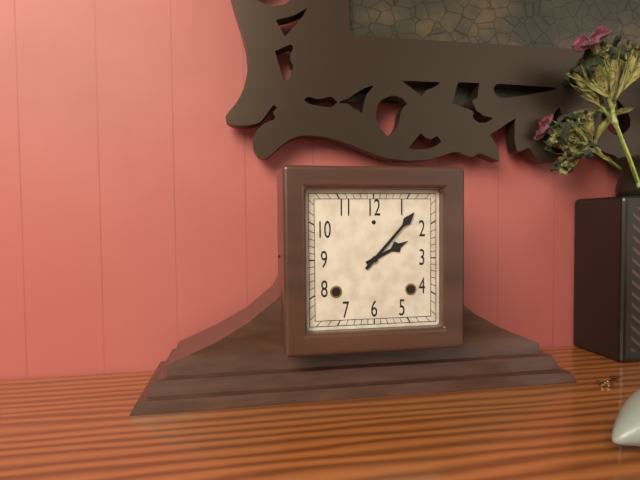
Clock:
2:07
